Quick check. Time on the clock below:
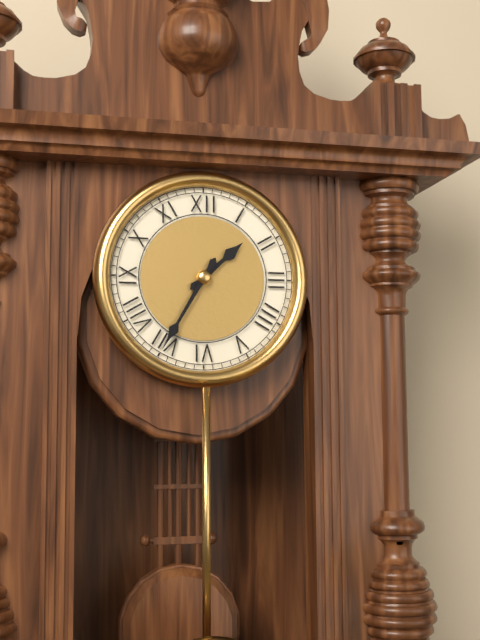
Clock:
1:35
